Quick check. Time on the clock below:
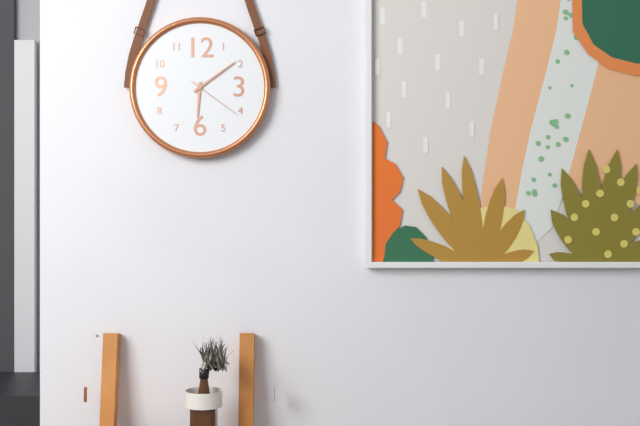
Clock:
6:09:21
